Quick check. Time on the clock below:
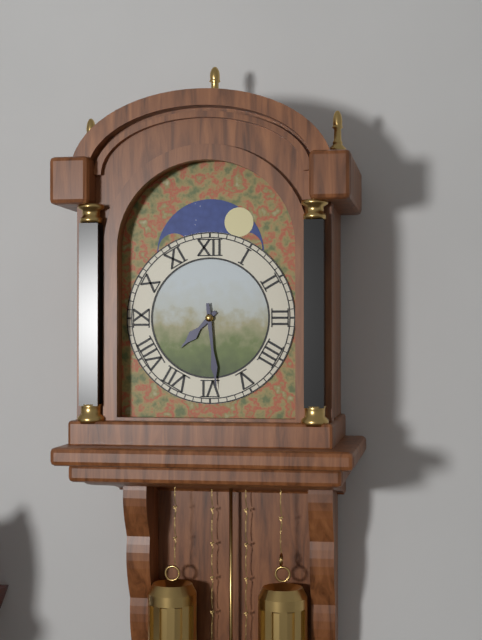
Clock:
7:29
